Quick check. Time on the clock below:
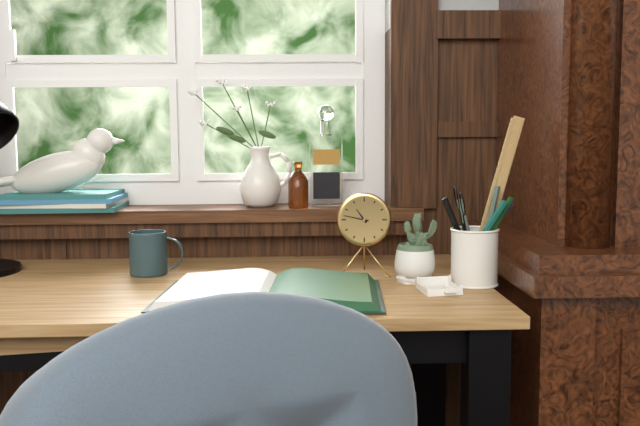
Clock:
10:47
